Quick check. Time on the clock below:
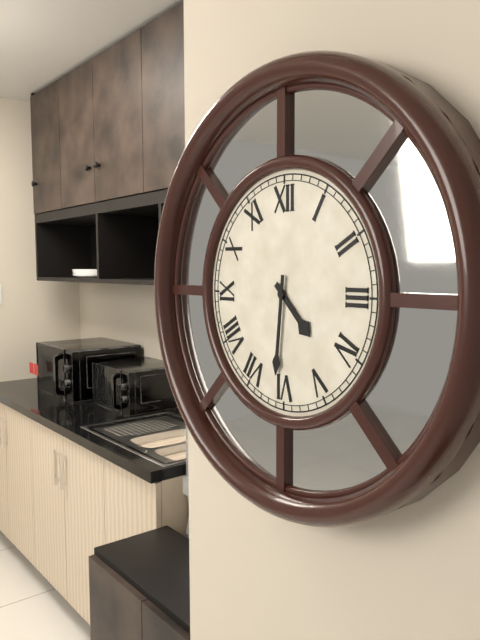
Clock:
4:31
